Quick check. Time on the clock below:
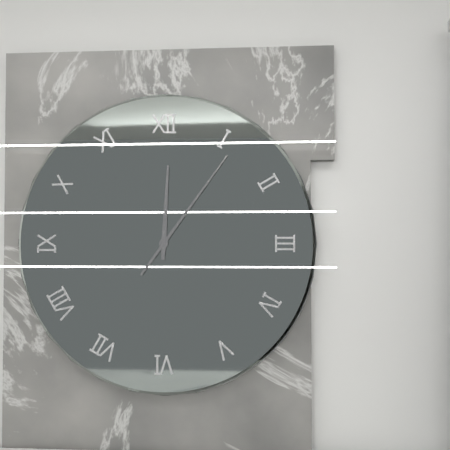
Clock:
12:06
